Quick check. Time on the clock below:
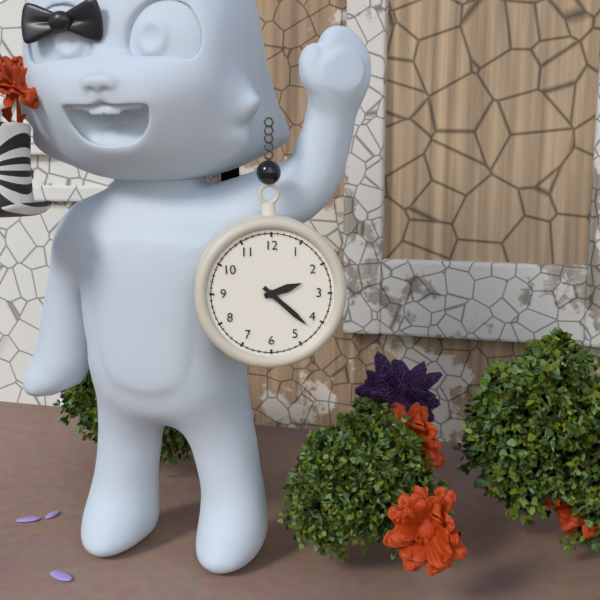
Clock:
2:22
